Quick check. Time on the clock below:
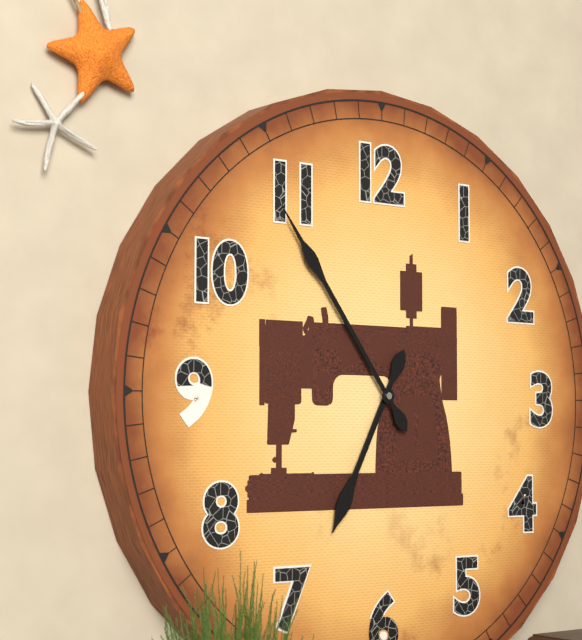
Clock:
6:54
